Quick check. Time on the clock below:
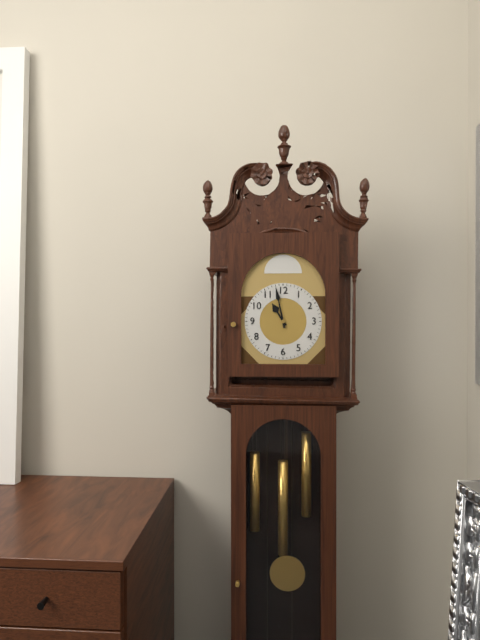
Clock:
10:58
